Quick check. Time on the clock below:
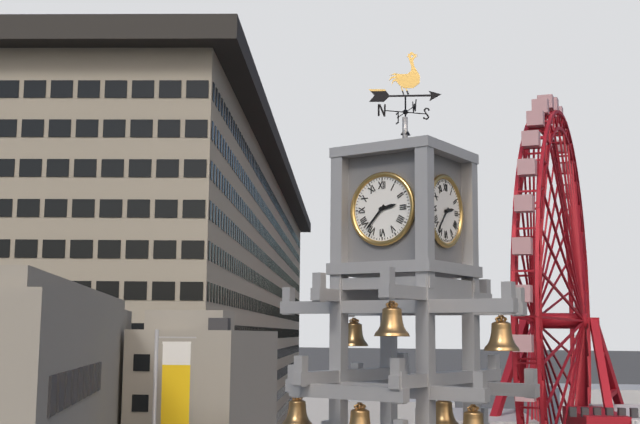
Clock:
2:37
